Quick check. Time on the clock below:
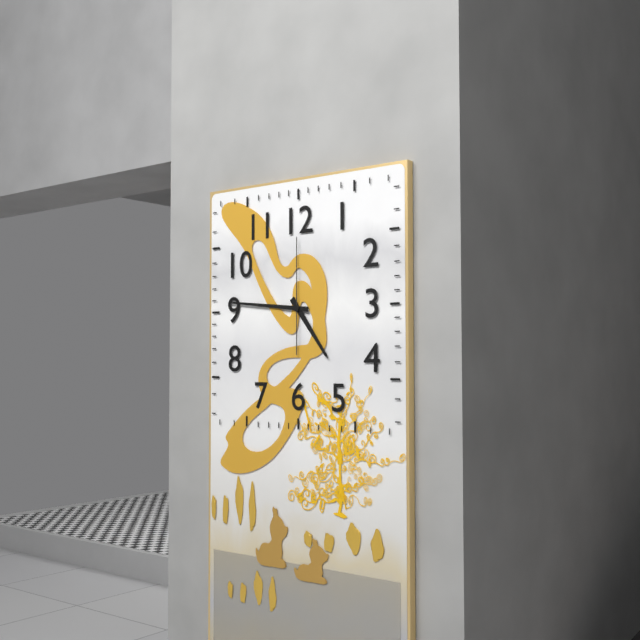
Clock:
4:46:00
